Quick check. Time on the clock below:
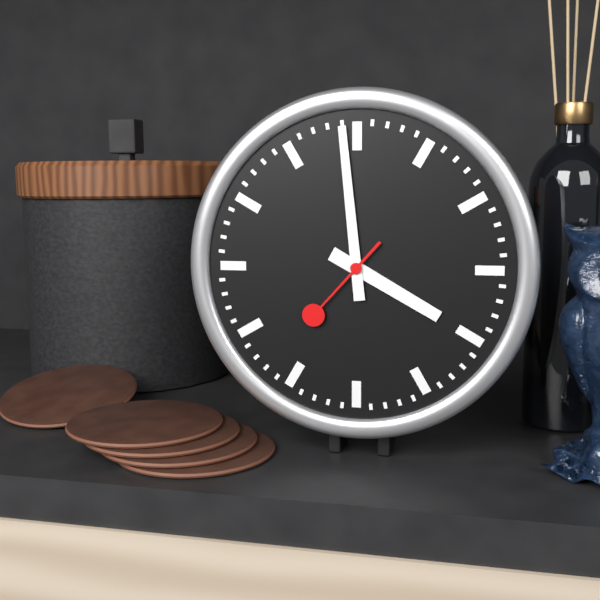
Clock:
3:59:37
